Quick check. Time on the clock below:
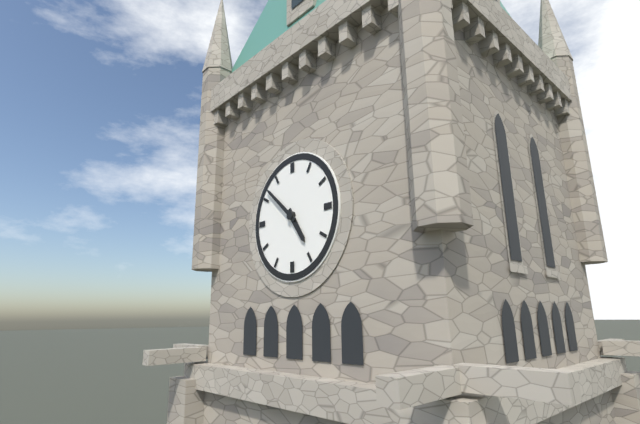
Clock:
4:52
